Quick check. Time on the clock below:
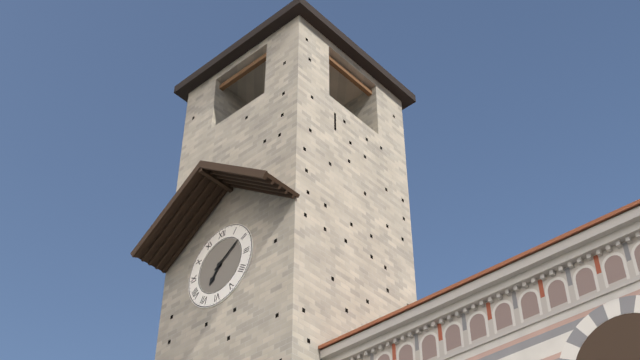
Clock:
7:09
